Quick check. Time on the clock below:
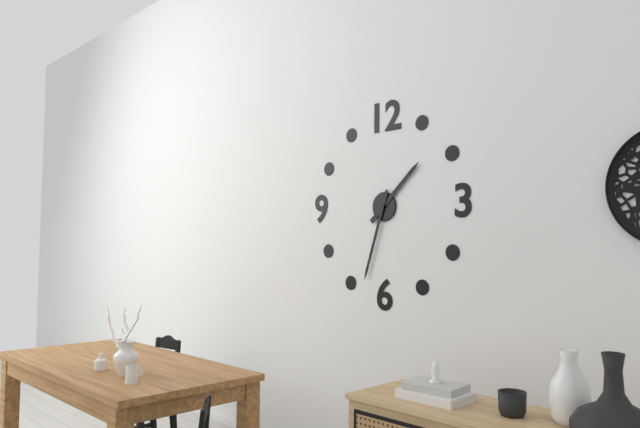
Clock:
1:33
